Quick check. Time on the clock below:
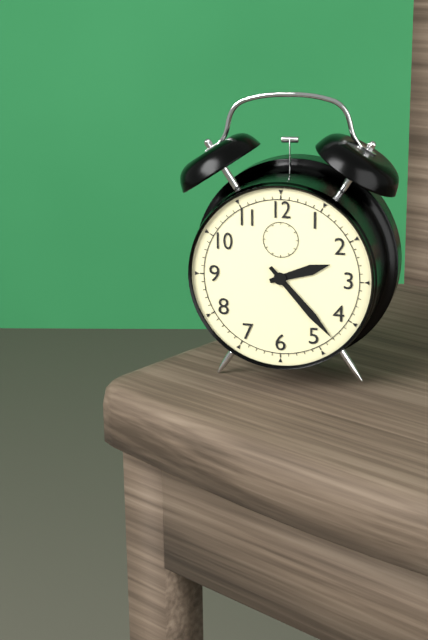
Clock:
2:23
